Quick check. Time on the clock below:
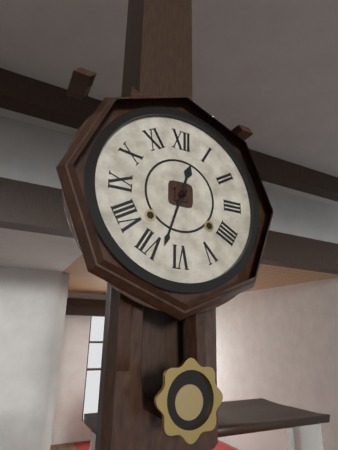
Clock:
12:33
